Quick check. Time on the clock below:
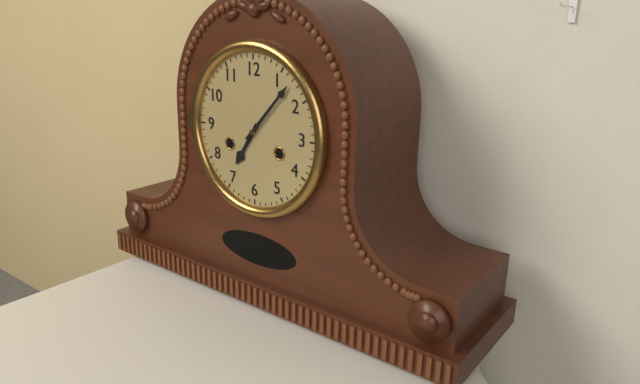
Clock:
7:07
